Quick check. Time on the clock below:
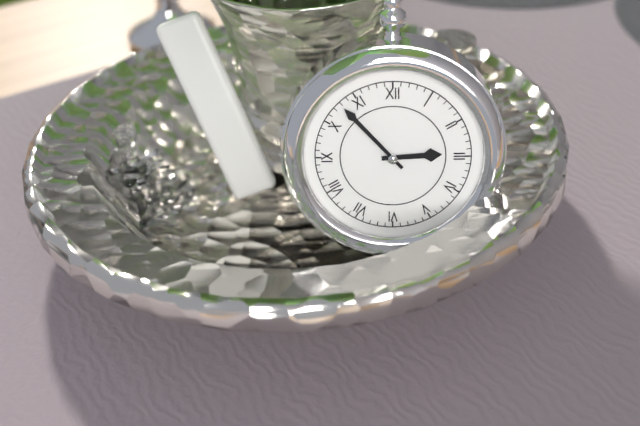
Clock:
2:53
